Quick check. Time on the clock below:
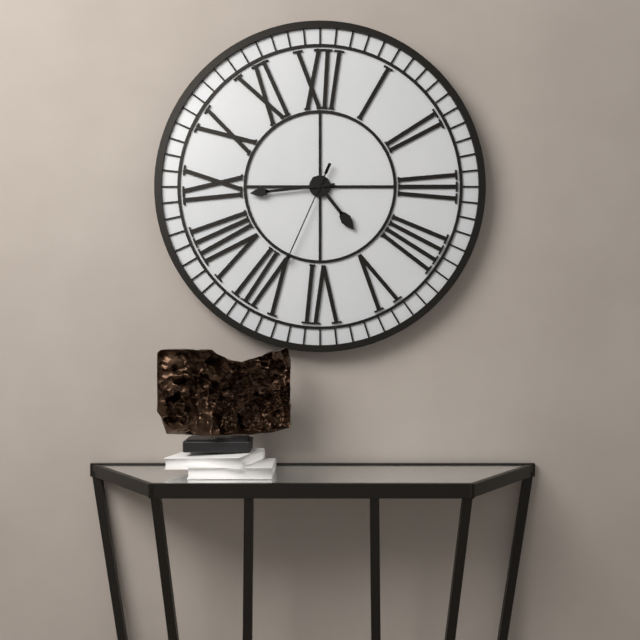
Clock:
4:44:34
